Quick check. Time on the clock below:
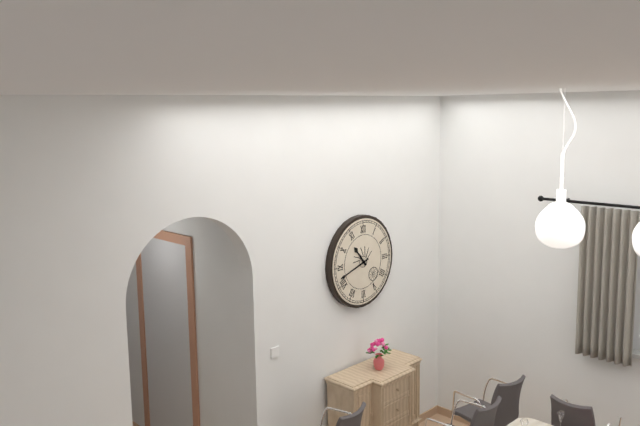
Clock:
10:42
